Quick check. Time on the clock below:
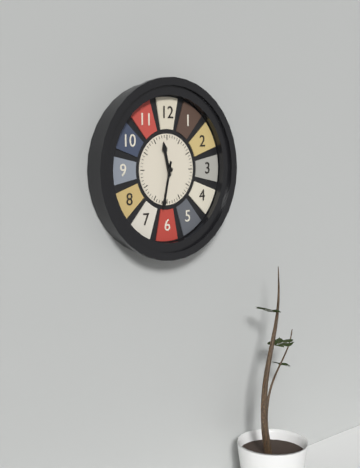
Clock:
11:32
